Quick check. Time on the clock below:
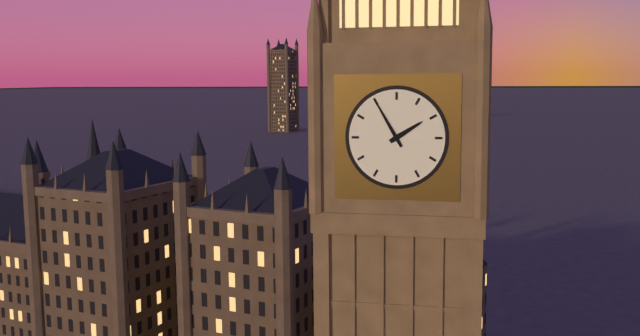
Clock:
1:55
